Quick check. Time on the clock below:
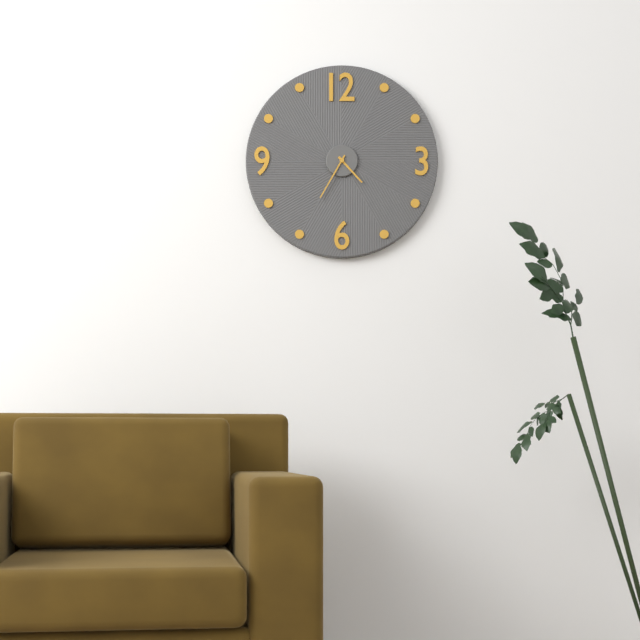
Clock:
4:35
